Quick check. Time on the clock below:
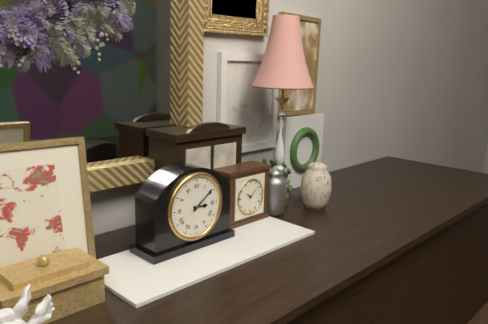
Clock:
3:09
